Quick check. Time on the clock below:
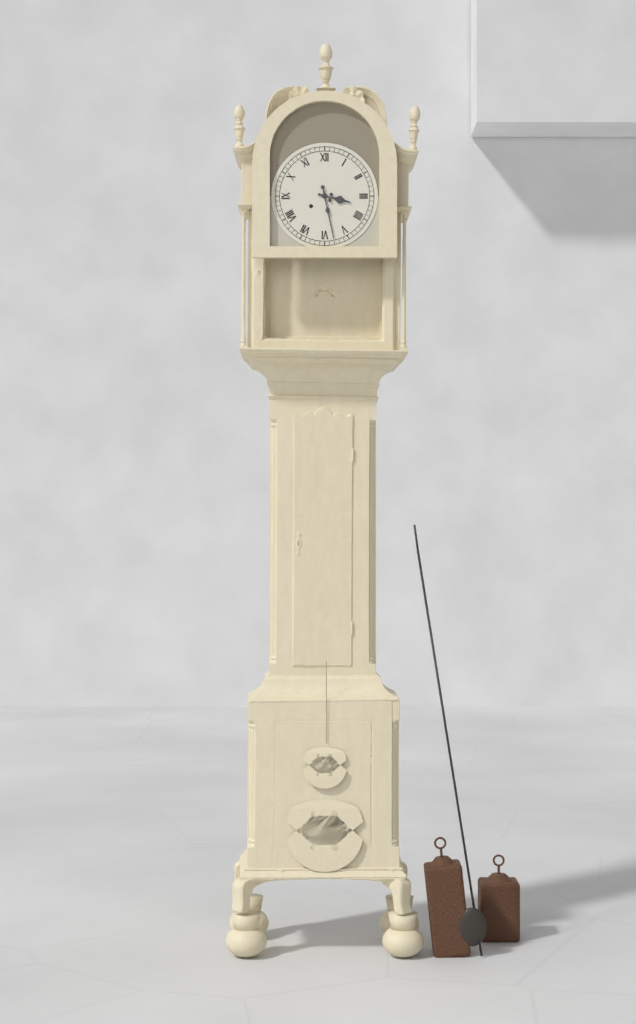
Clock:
3:28
